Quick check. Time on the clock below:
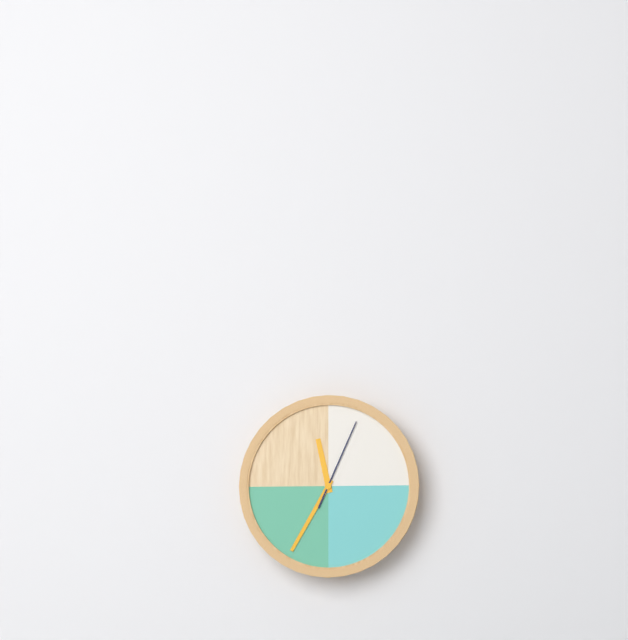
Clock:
11:35:04
